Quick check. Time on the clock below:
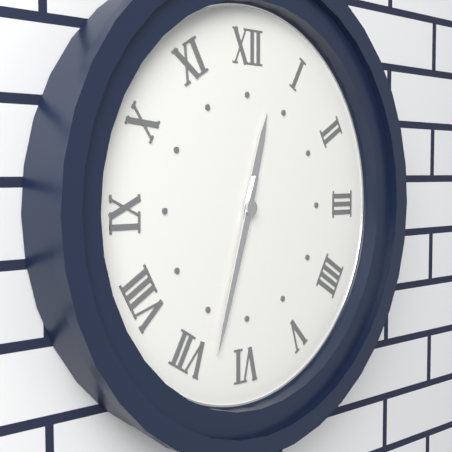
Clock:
12:33
